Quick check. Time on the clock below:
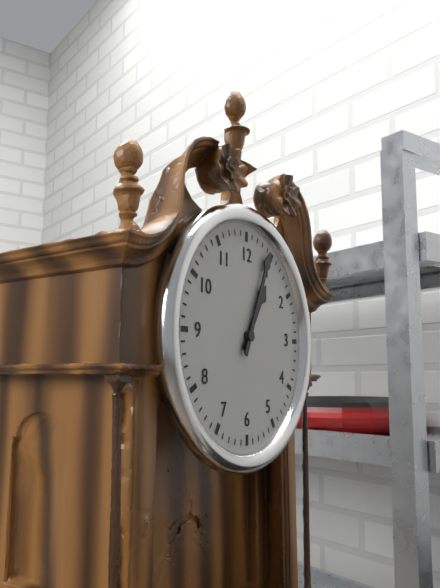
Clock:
1:04
